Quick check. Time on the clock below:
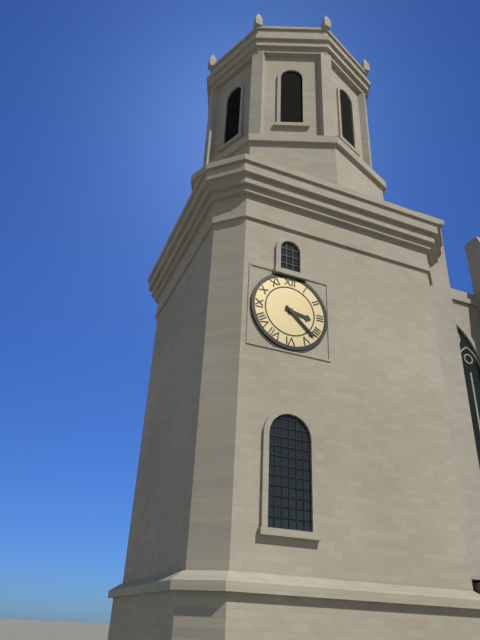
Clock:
3:22
